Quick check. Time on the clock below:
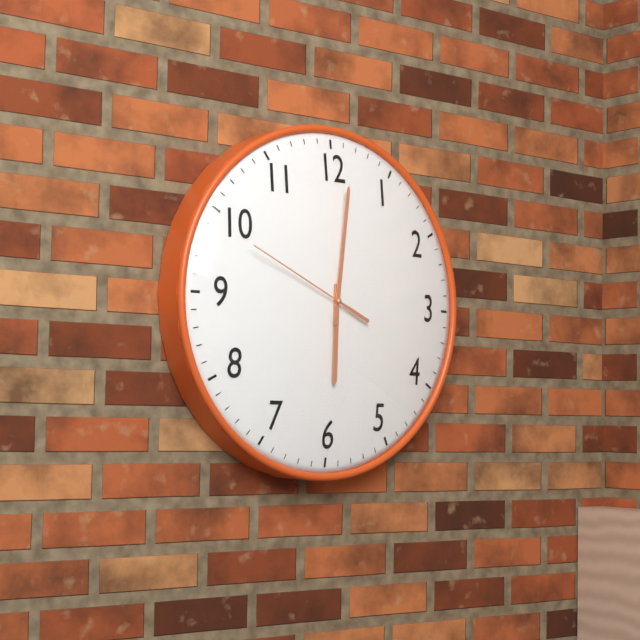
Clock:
6:01:49
